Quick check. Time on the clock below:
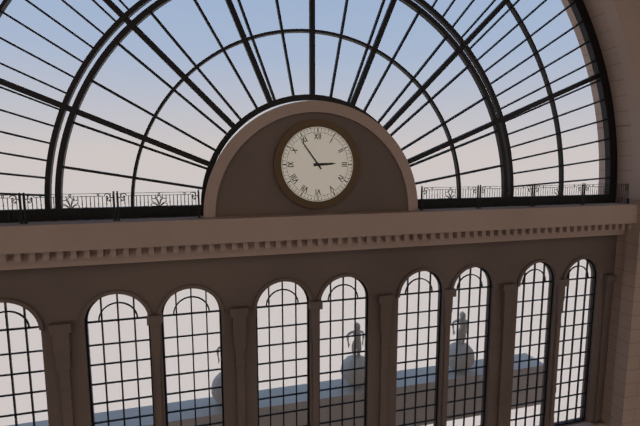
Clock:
2:54
